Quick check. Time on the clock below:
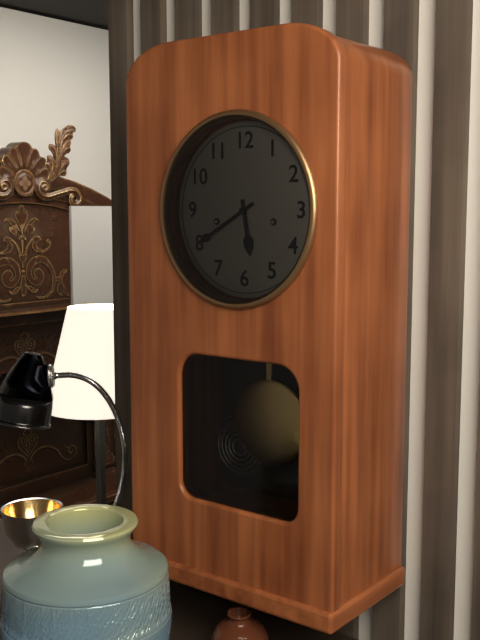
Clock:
5:40
